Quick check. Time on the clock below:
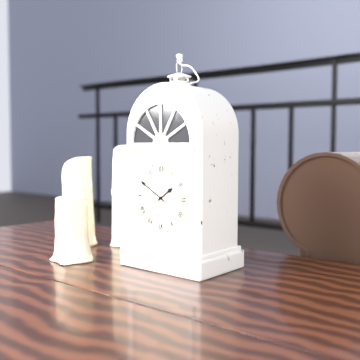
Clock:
1:50
